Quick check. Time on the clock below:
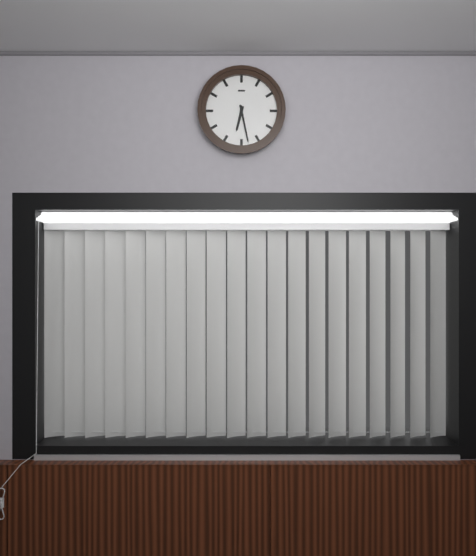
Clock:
6:28
